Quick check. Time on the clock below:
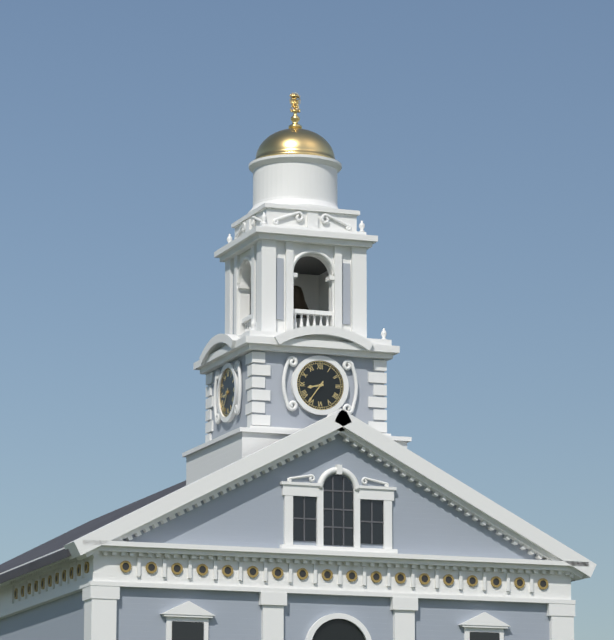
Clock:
8:36
